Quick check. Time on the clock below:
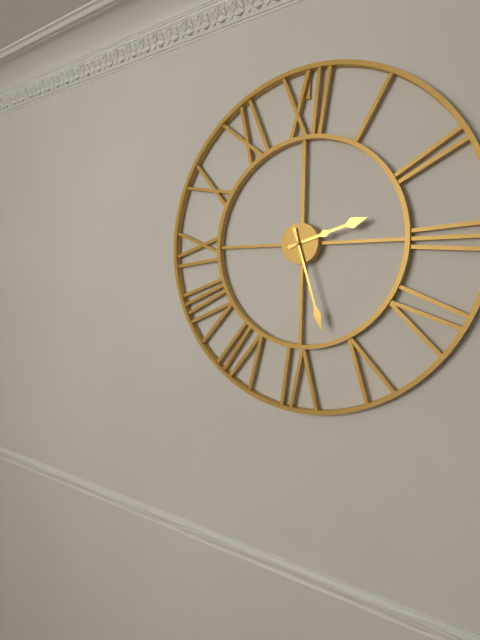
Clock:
2:27
